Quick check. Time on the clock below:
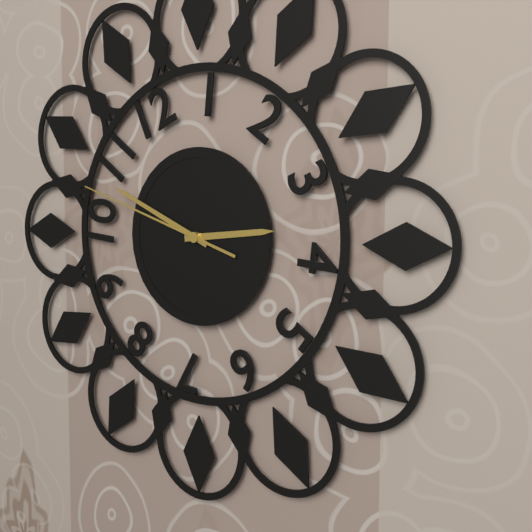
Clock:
2:49:48
